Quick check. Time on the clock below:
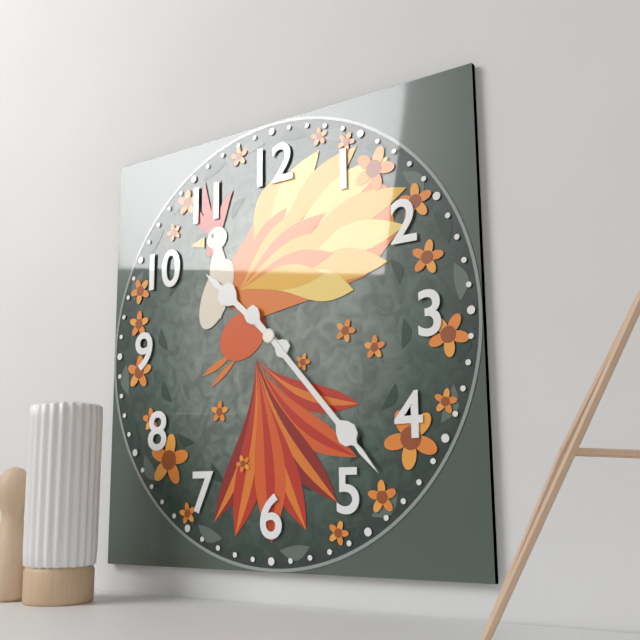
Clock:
10:23
